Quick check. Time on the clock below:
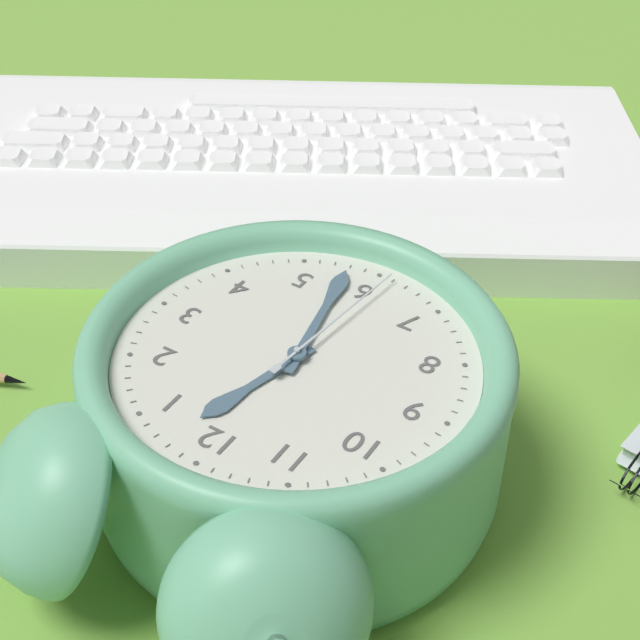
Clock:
12:28:31
